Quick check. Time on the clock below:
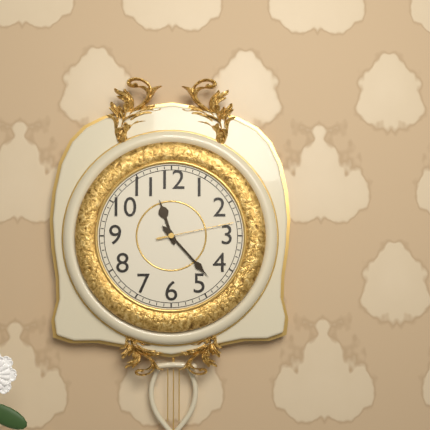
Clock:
11:23:13
